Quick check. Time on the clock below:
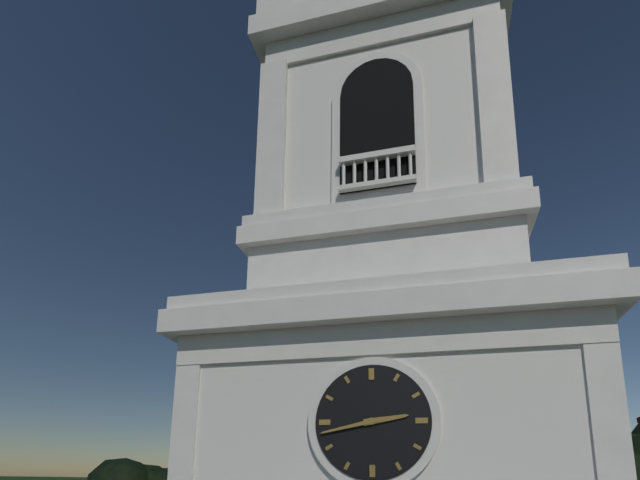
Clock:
2:43
